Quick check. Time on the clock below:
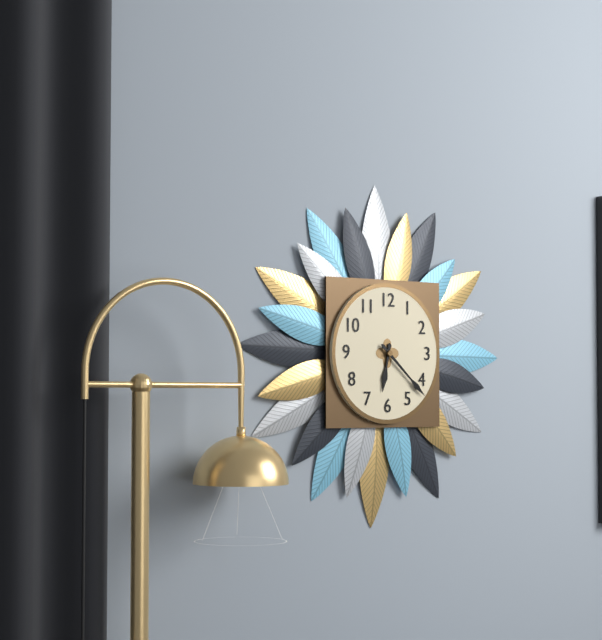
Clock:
6:22
